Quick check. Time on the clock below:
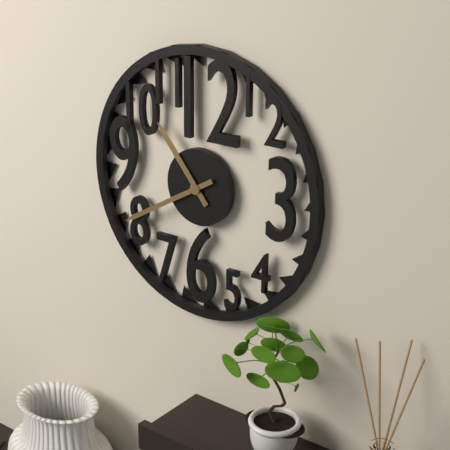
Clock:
10:40
